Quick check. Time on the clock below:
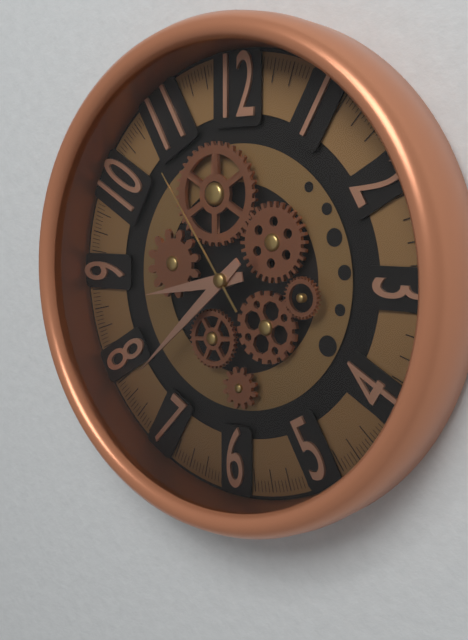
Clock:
8:38:54
